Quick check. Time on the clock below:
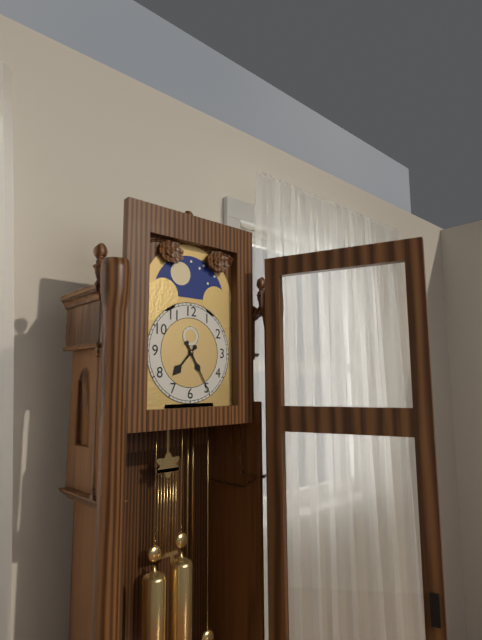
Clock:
7:25
